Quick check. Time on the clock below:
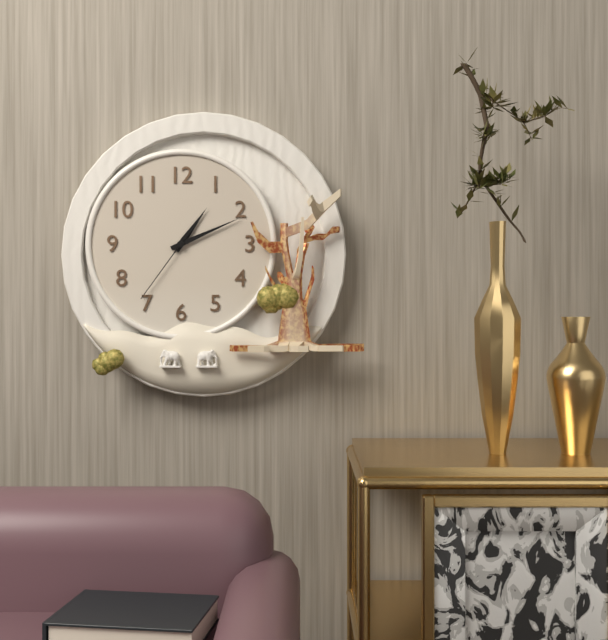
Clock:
1:11:36
